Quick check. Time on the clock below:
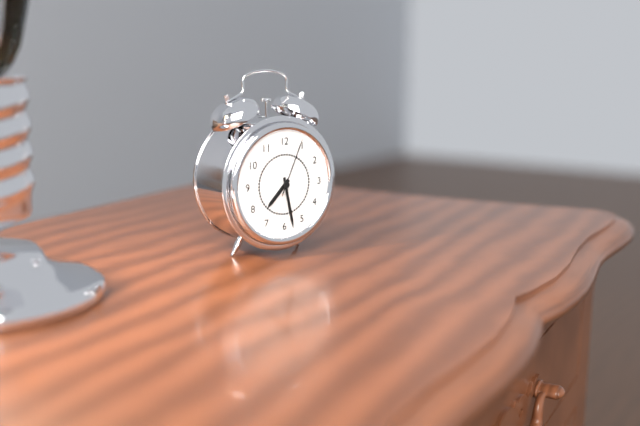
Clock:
7:28:04
